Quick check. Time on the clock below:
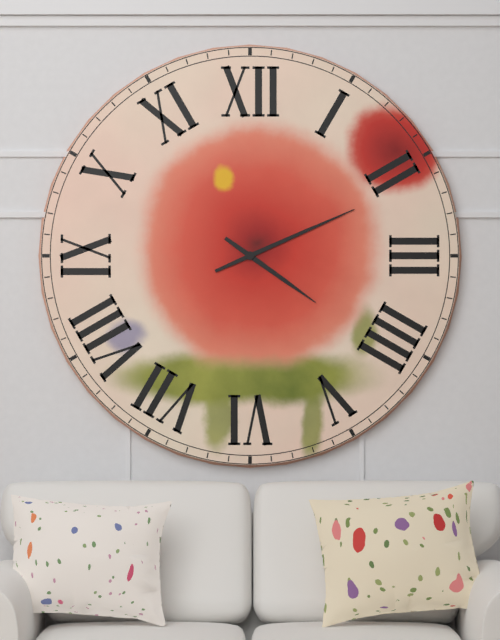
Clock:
4:11
